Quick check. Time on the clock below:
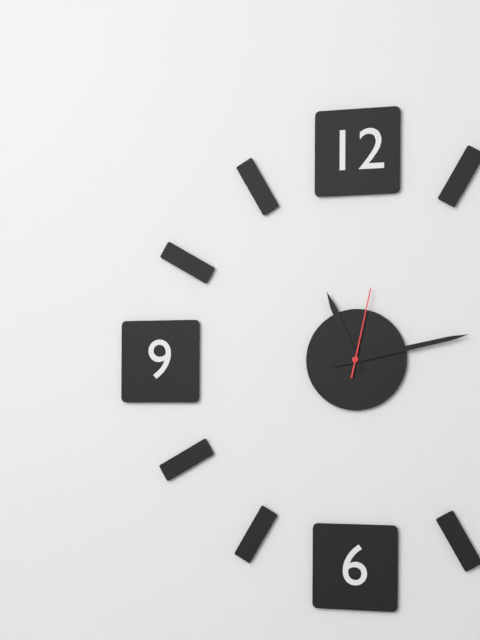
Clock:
11:13:02
